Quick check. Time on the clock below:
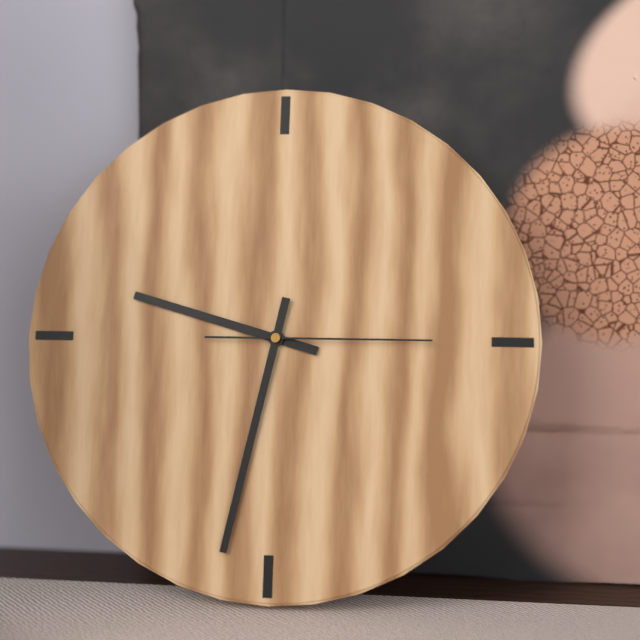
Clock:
9:32:15
